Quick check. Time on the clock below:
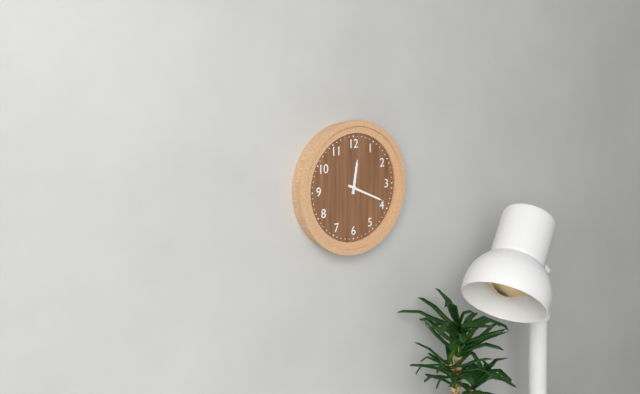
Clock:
12:19
